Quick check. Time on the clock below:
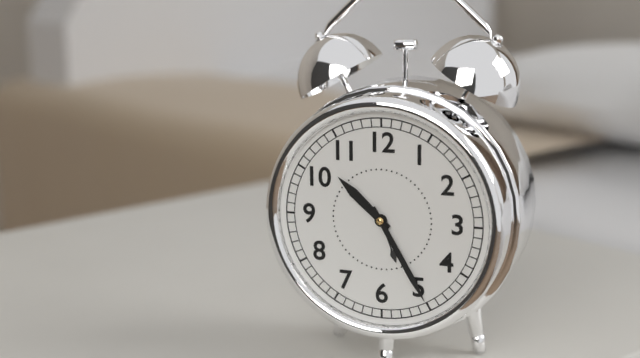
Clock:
10:25
